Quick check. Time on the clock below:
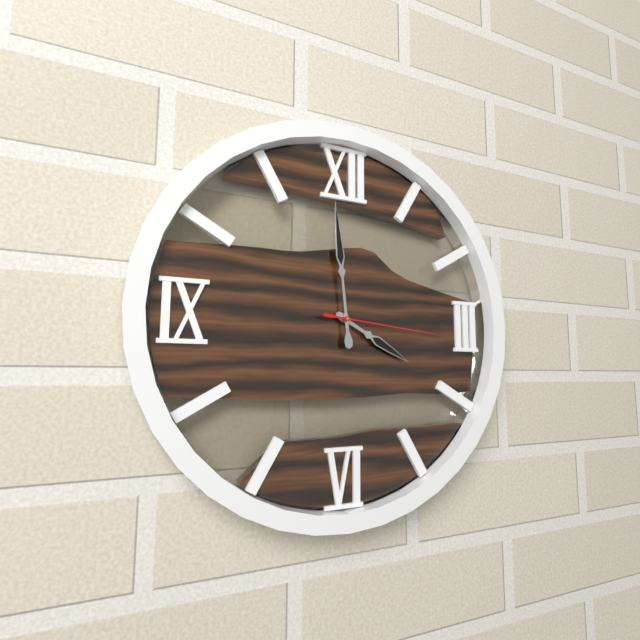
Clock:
3:59:16
